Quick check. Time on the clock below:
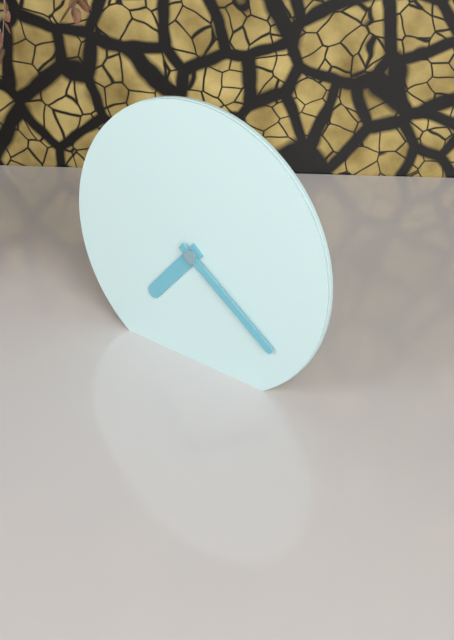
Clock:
7:21
